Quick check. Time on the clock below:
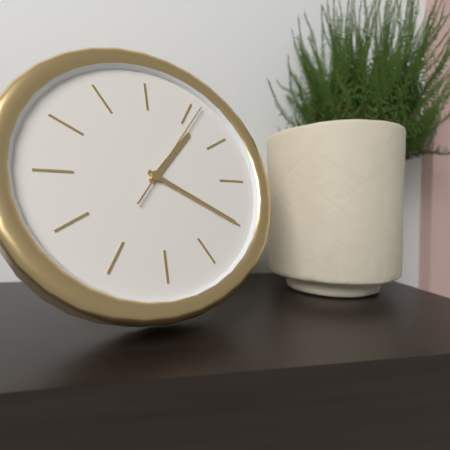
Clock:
1:20:06
